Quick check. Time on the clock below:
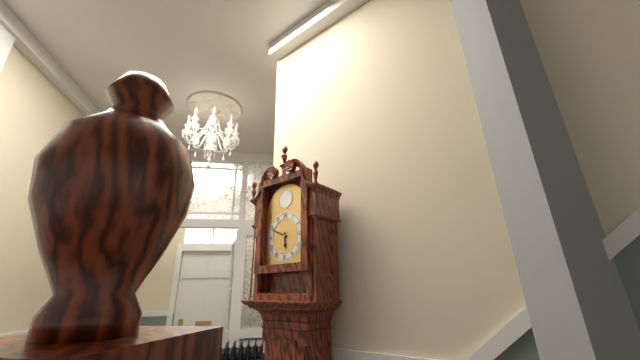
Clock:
5:49
